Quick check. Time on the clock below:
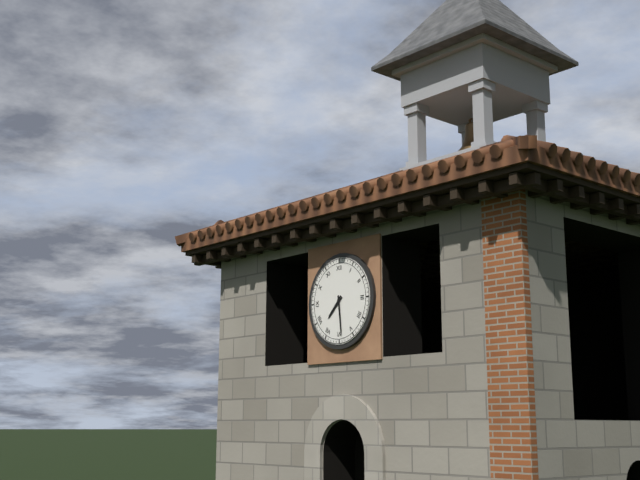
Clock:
7:29
